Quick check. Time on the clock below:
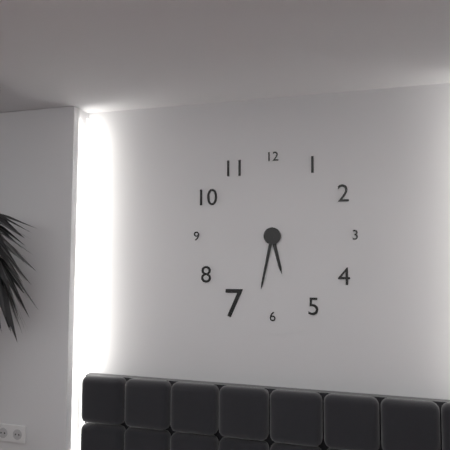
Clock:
5:32
